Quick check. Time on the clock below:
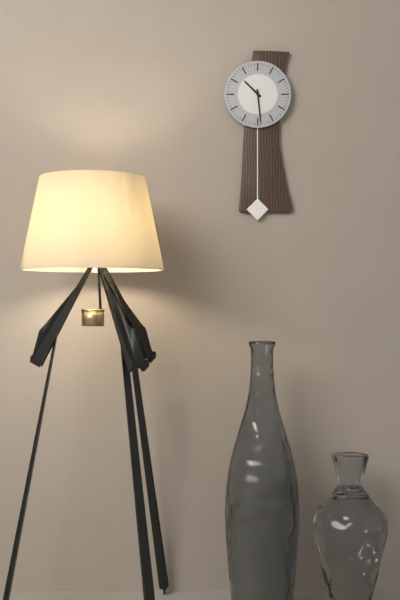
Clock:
10:29
